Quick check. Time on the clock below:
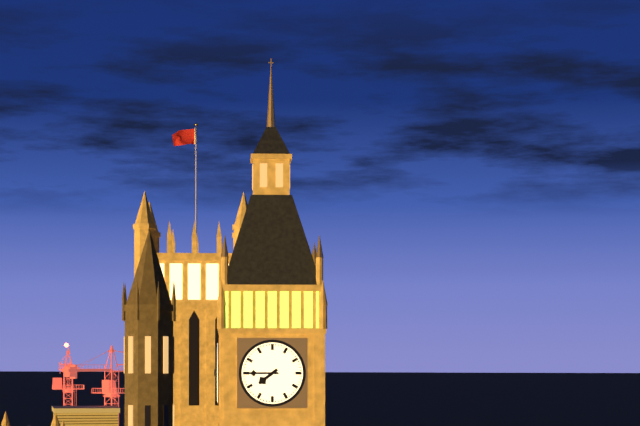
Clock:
7:45
